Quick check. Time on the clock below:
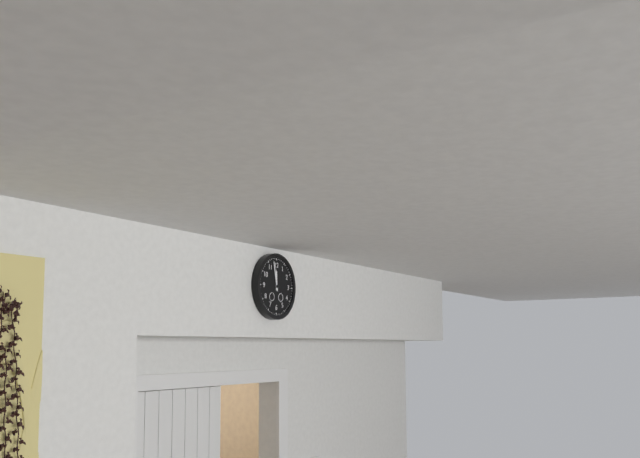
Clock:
11:58
